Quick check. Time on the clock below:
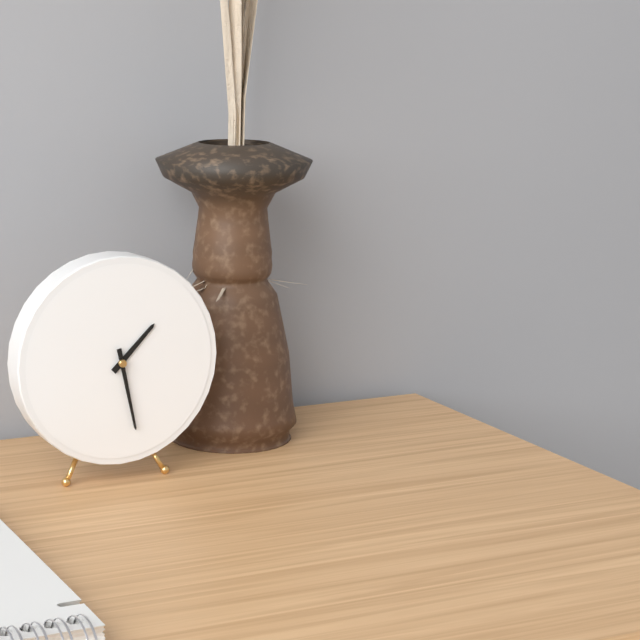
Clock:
1:28
